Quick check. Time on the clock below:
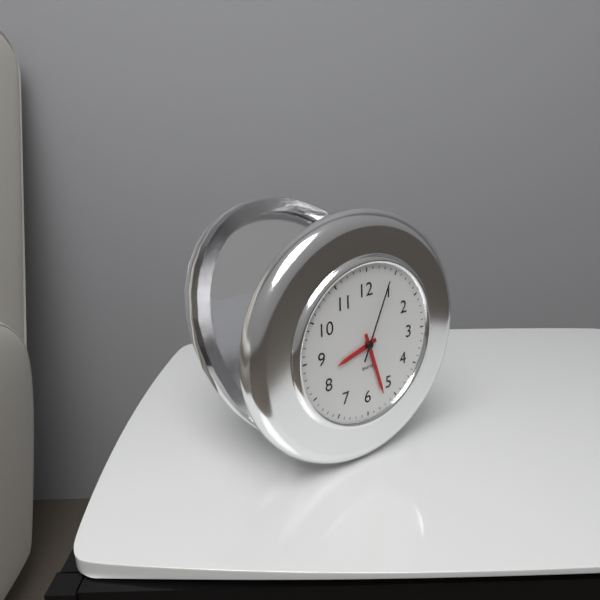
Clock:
8:27:04
